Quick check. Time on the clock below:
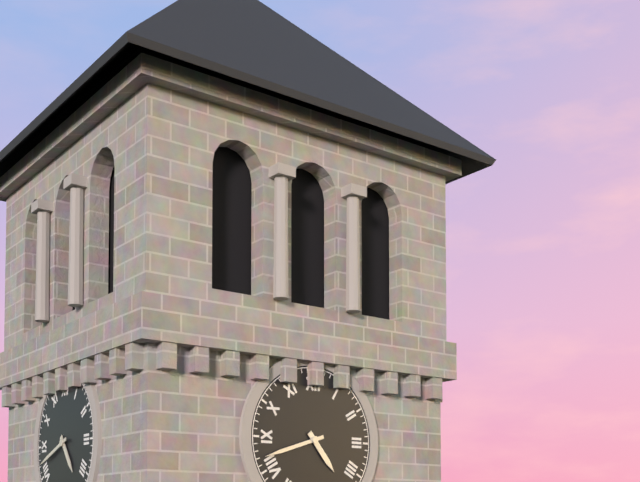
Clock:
4:42
